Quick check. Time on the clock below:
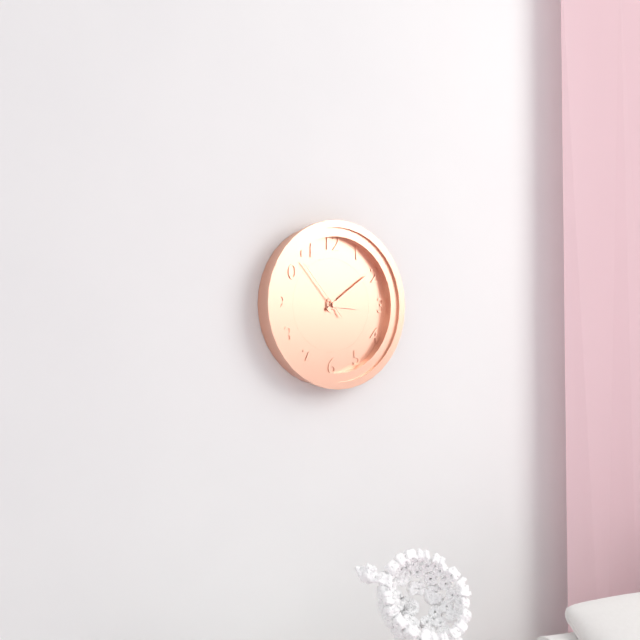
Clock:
3:09:53
